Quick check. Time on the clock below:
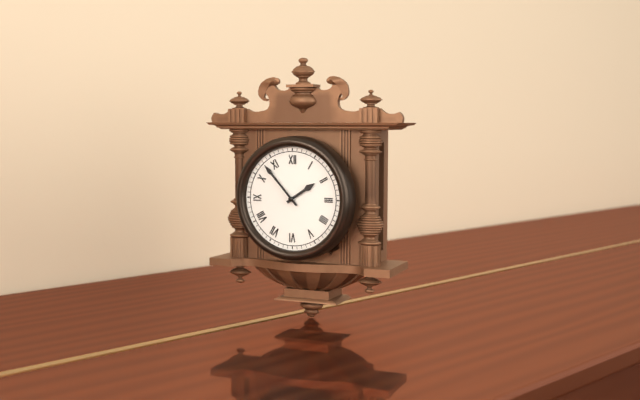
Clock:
1:53
